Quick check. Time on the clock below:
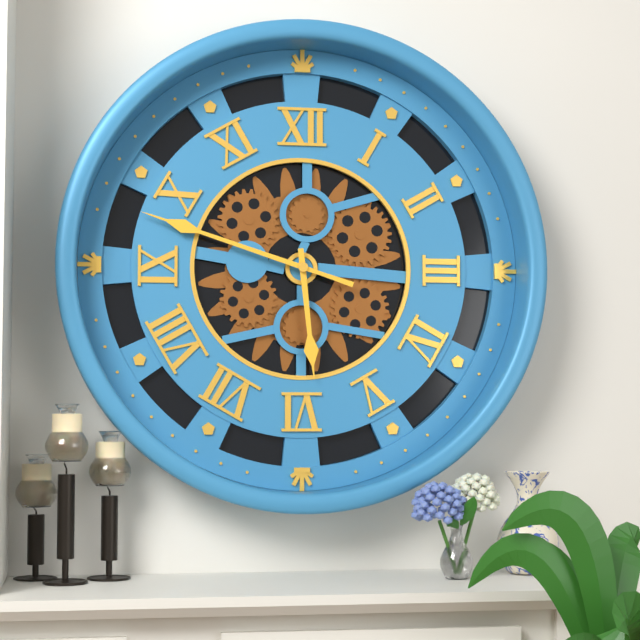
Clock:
5:48
